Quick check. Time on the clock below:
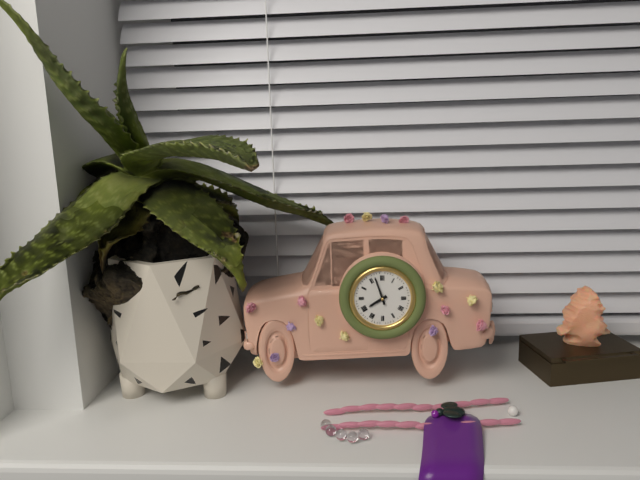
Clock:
7:57
